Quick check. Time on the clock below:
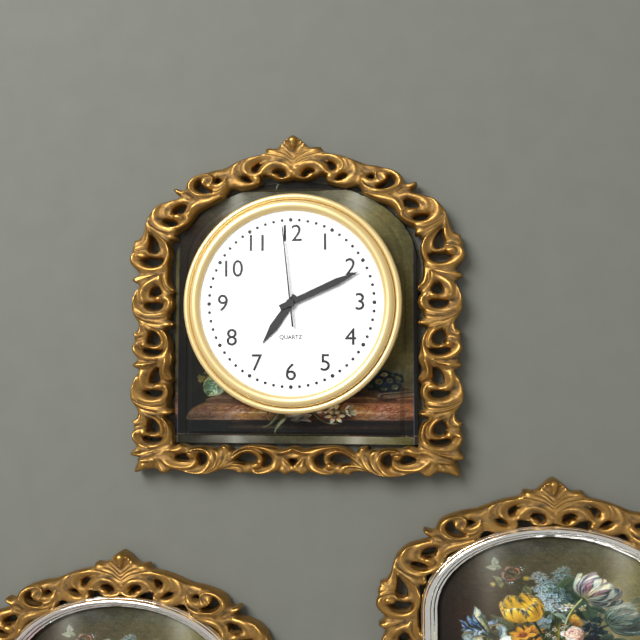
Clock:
7:11:59
